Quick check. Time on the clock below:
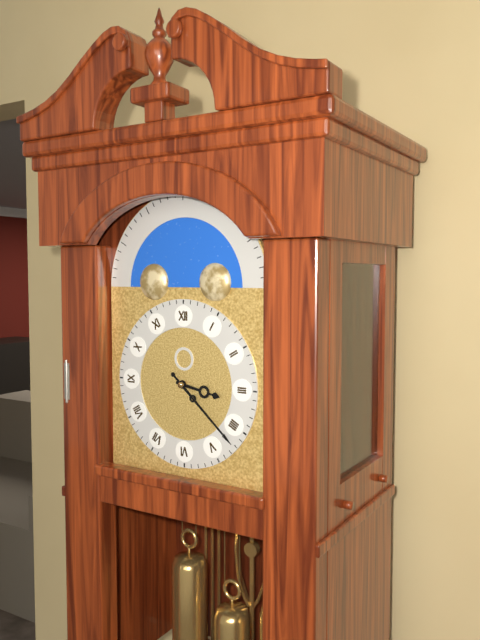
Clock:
3:22
